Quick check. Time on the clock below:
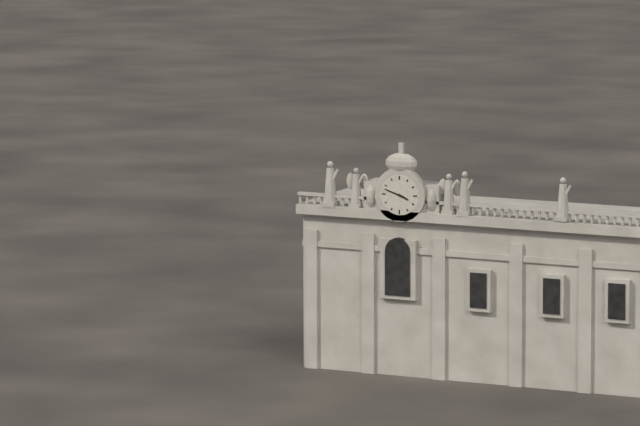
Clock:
3:48
